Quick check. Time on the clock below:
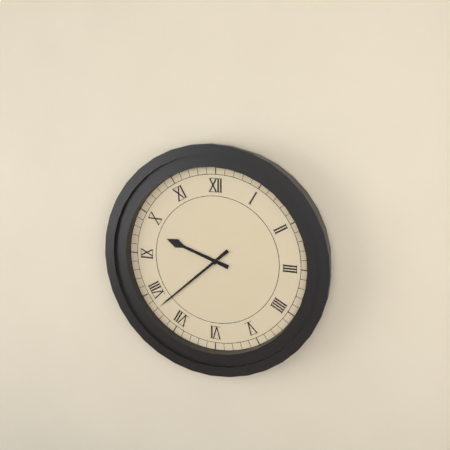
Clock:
9:38
